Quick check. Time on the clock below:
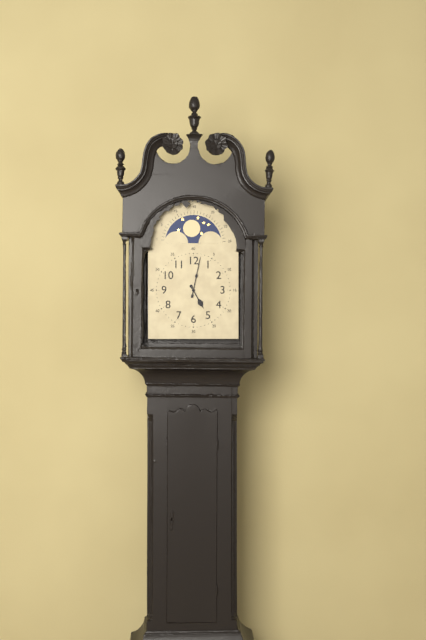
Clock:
5:02
